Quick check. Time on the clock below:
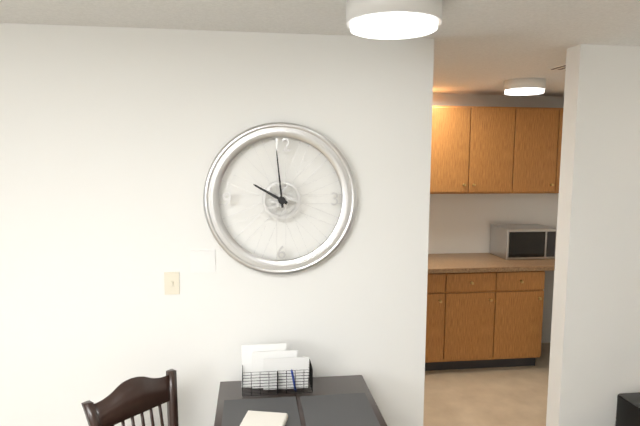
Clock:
9:59
